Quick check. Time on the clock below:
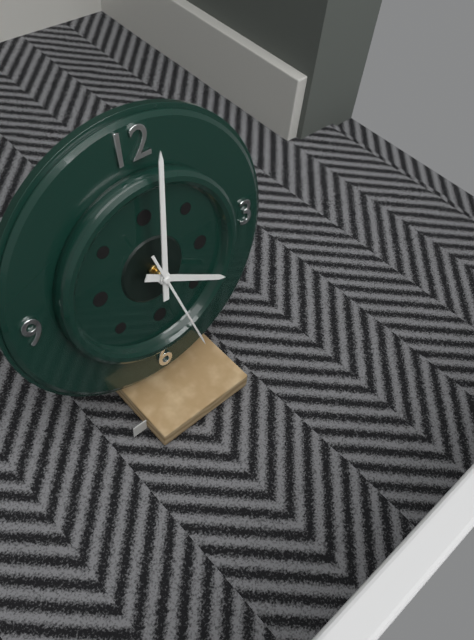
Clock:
4:01:27
